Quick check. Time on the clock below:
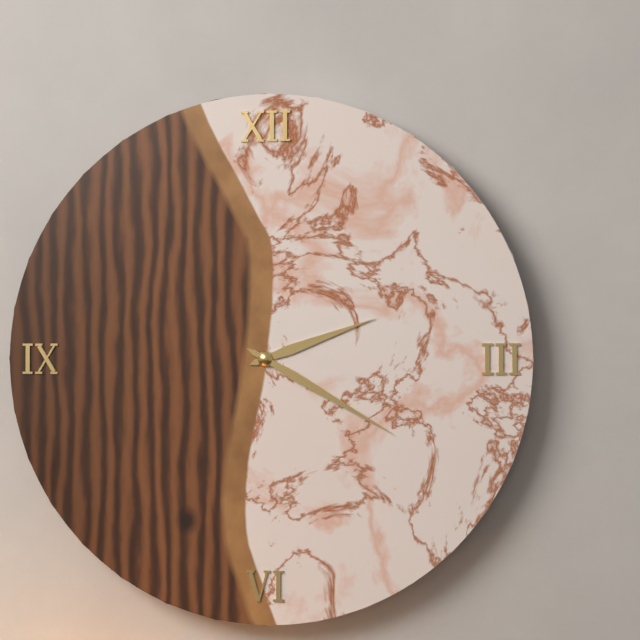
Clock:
2:20
